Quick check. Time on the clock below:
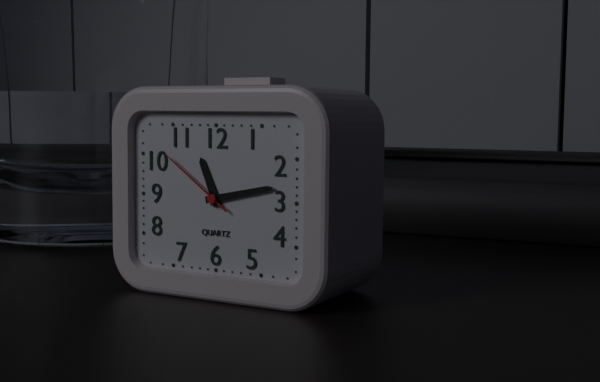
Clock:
11:13:51
